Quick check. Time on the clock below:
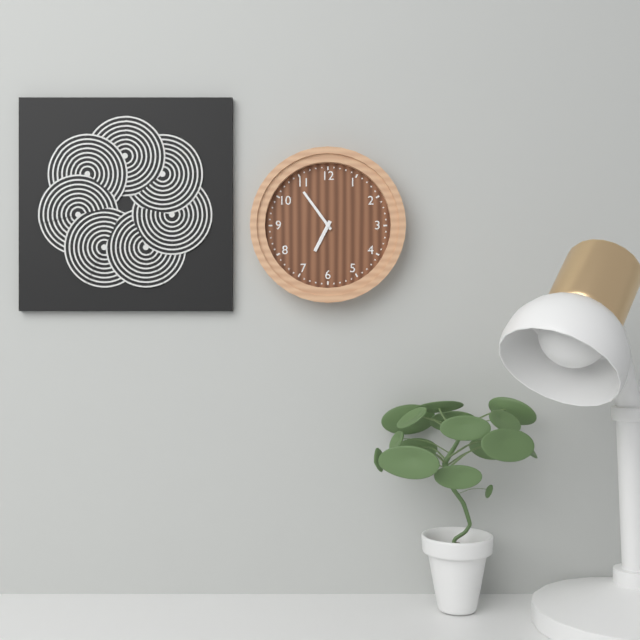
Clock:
6:54
